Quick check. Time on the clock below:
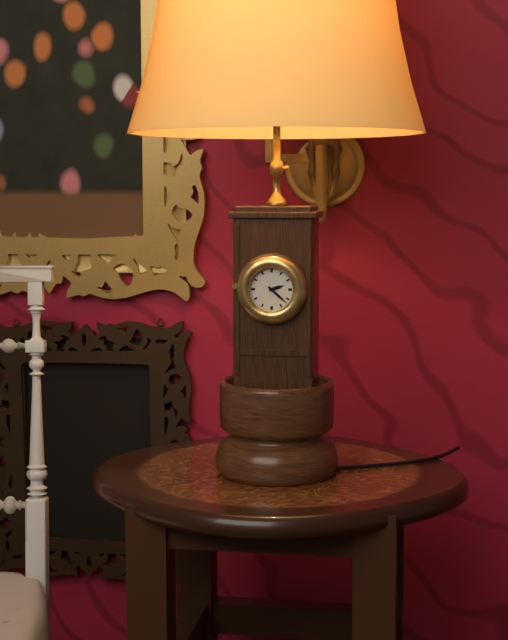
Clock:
2:22
